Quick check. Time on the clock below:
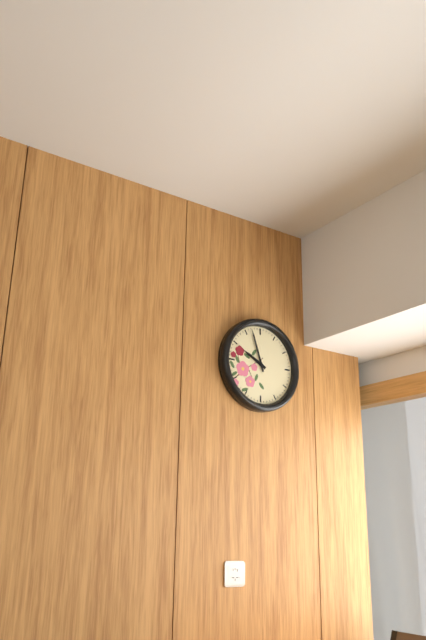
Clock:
9:57
